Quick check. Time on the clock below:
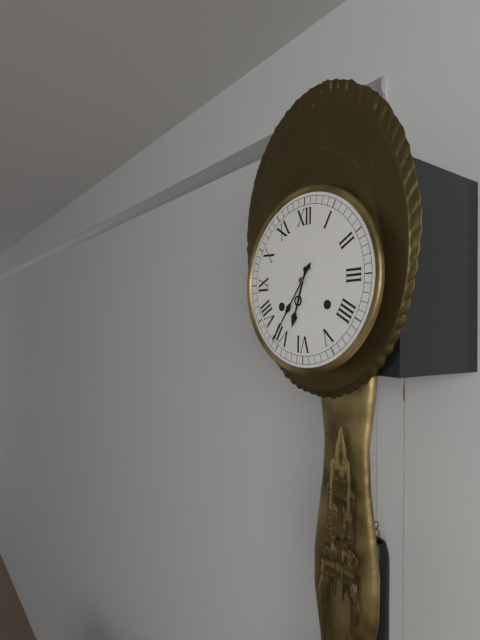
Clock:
6:36
